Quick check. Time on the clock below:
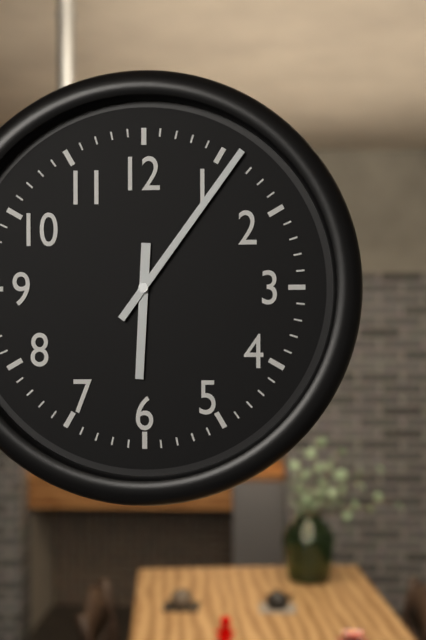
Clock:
6:06
